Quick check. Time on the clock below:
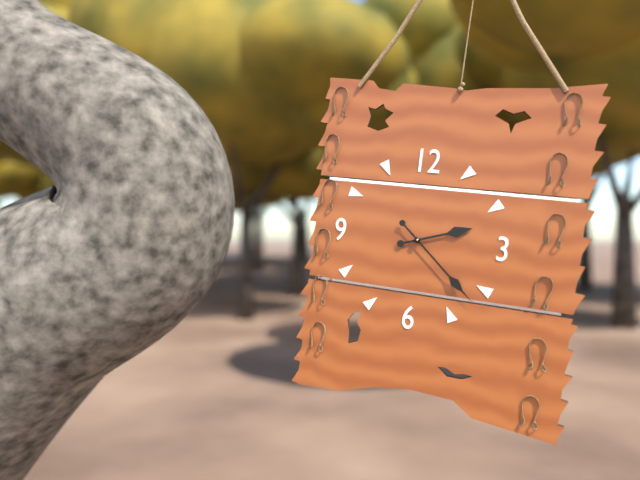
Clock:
2:22
